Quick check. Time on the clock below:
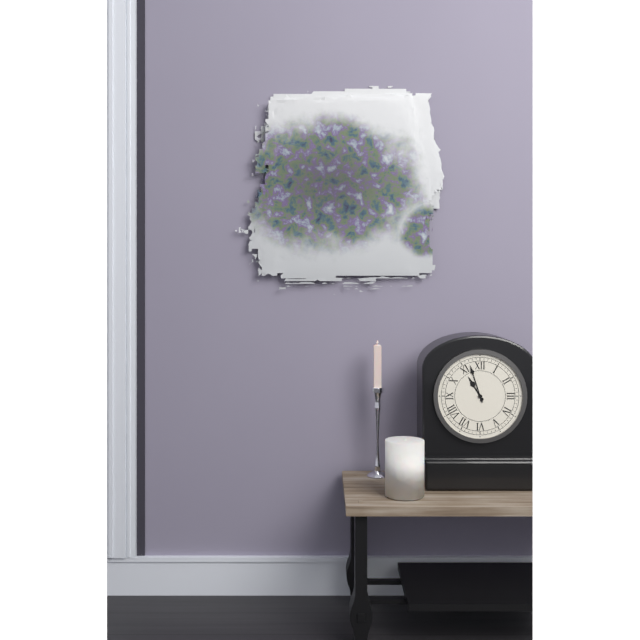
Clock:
10:57
